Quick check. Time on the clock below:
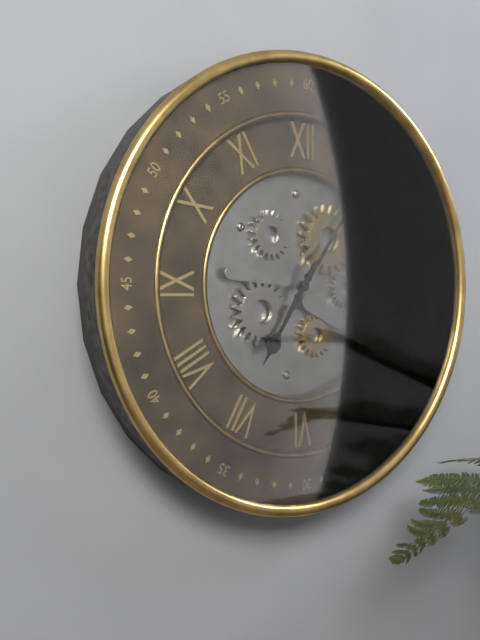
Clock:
7:06
